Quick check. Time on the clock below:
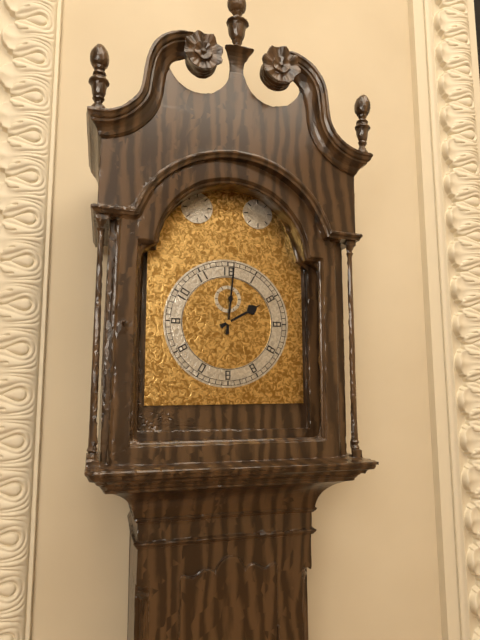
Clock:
2:01
